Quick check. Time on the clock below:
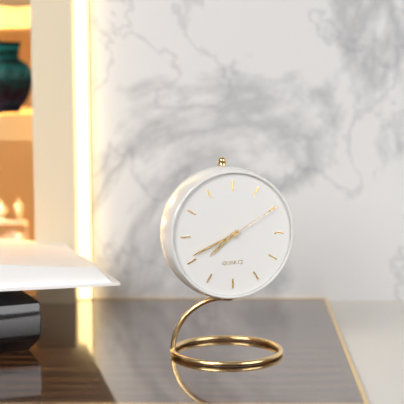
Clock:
7:41:10
